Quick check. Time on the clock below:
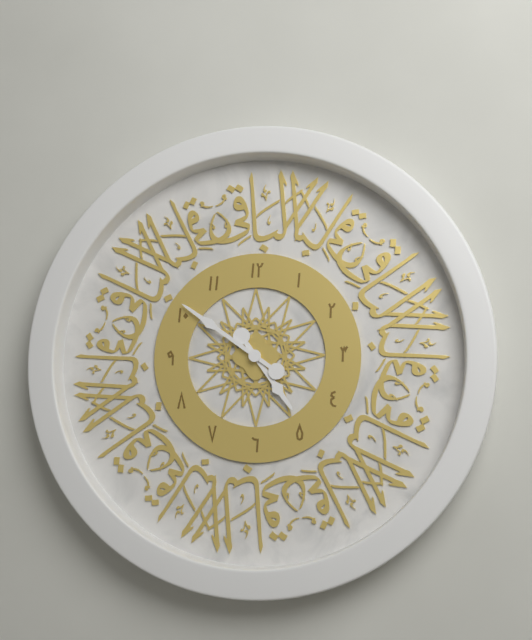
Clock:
4:51
